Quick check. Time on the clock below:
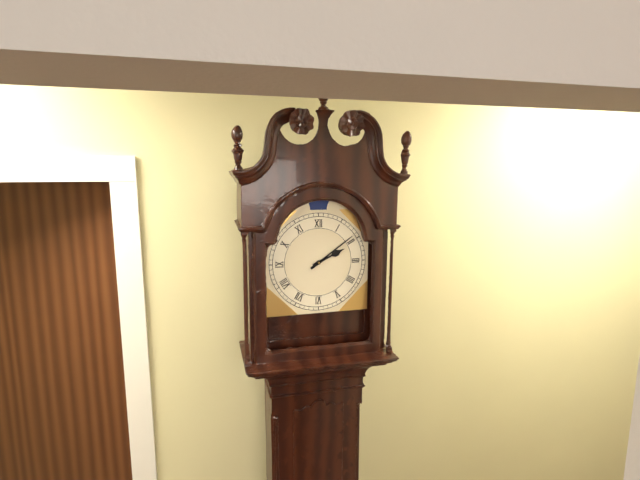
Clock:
2:09
